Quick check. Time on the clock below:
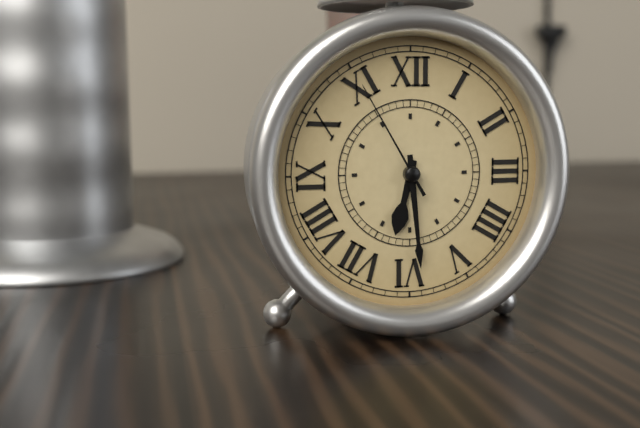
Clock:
6:29:55
